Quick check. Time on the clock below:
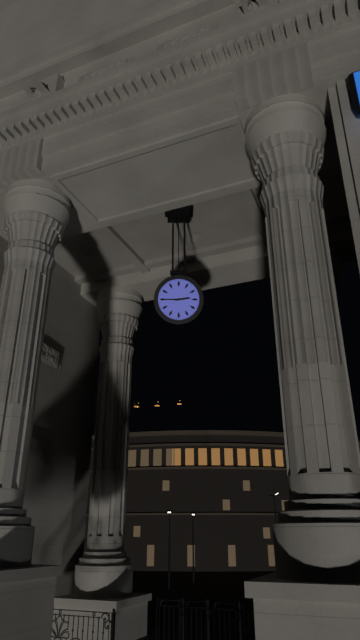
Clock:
2:45
